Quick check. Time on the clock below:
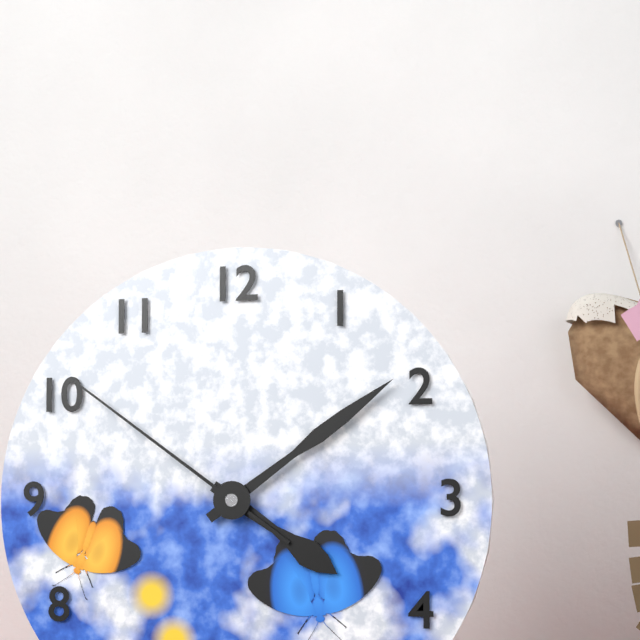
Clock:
4:09:51
